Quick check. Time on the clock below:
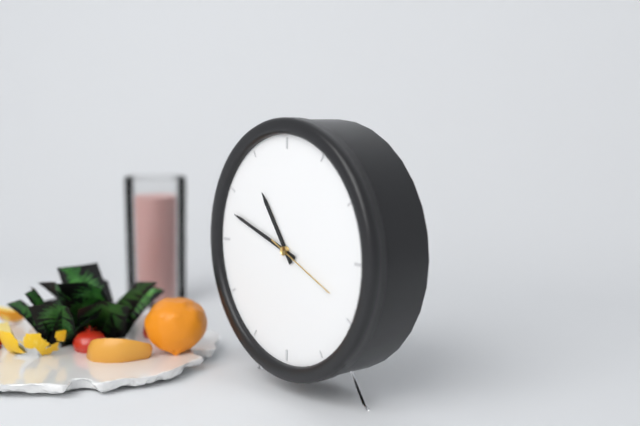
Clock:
10:48:19
